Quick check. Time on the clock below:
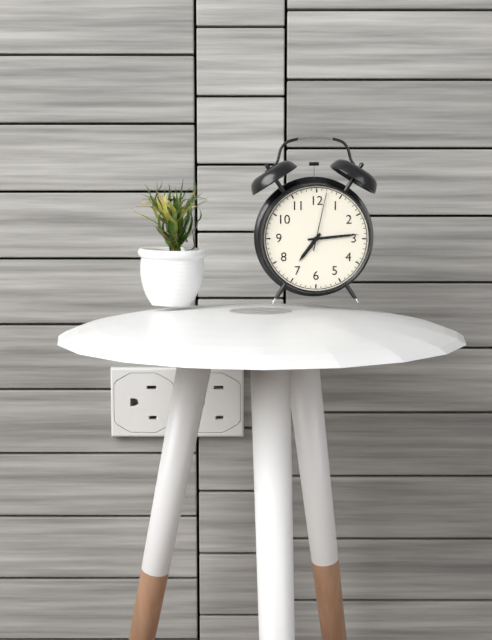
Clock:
7:14:02
